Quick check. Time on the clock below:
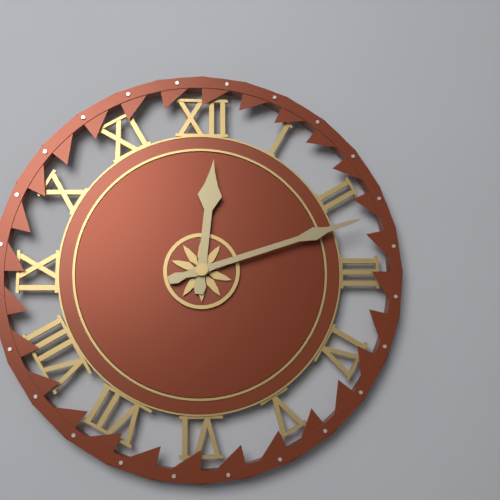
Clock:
12:12
